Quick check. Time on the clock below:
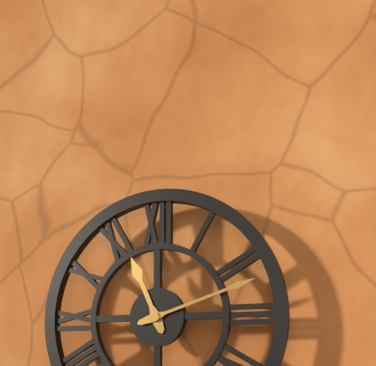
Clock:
11:12
